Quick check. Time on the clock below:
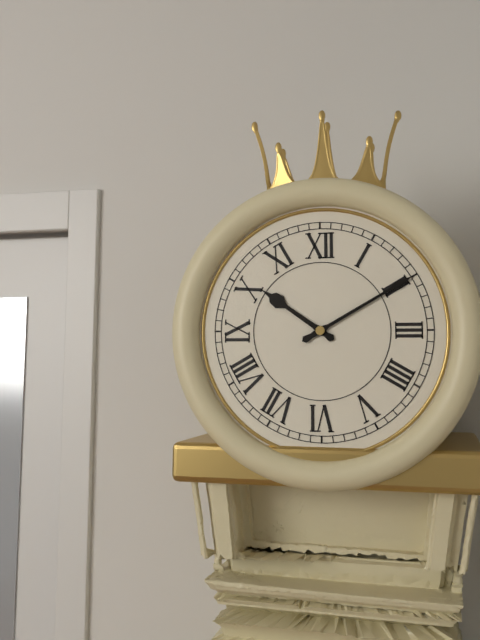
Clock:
10:10
